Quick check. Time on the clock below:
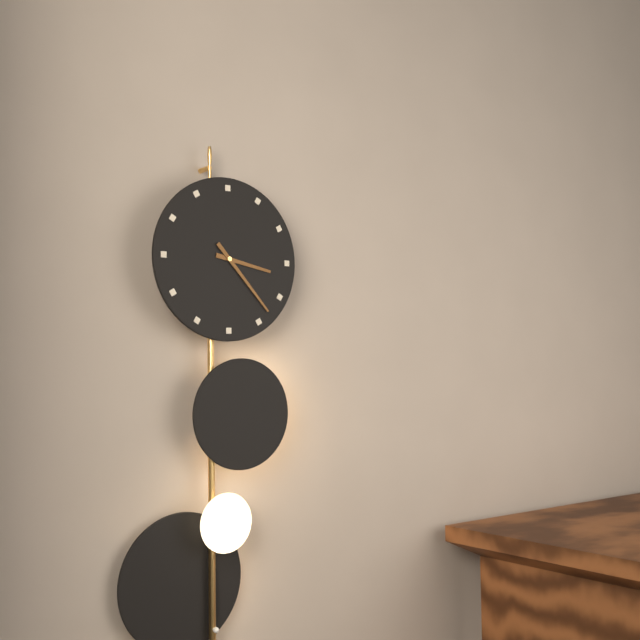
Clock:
3:23
